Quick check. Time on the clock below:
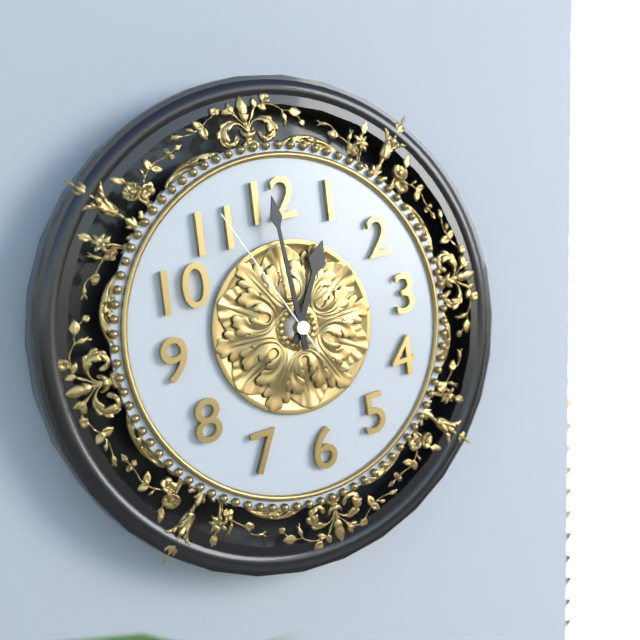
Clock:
1:00:56
